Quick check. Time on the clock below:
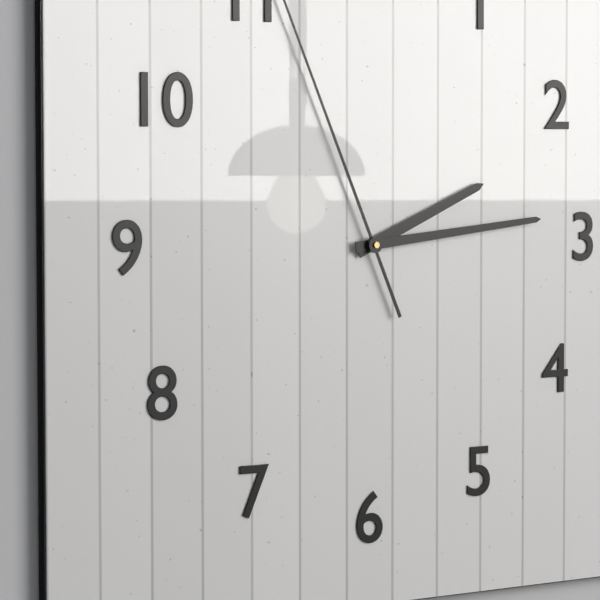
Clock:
2:14
